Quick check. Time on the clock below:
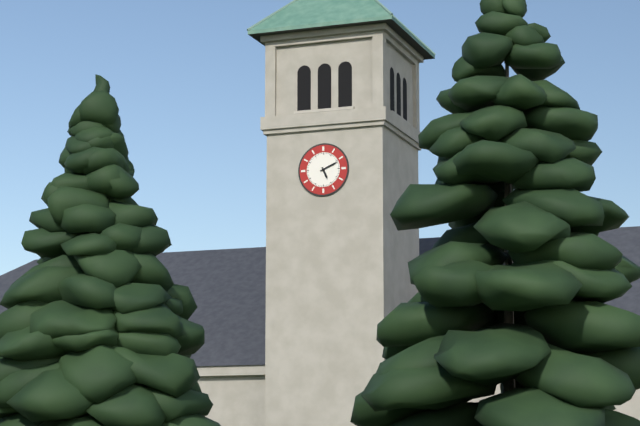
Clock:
5:11
